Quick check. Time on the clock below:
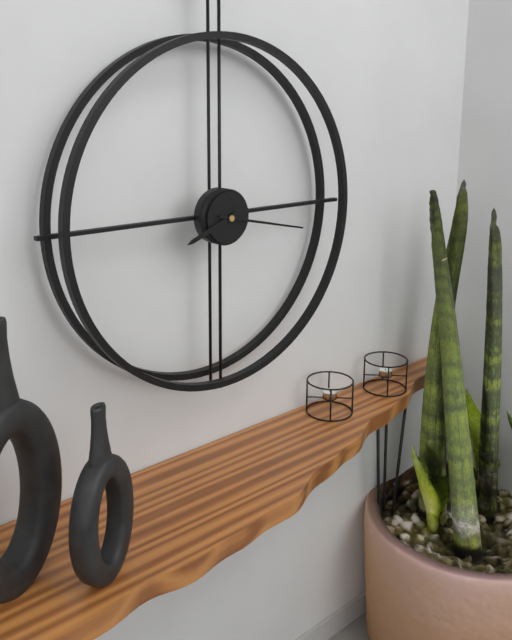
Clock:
8:17
